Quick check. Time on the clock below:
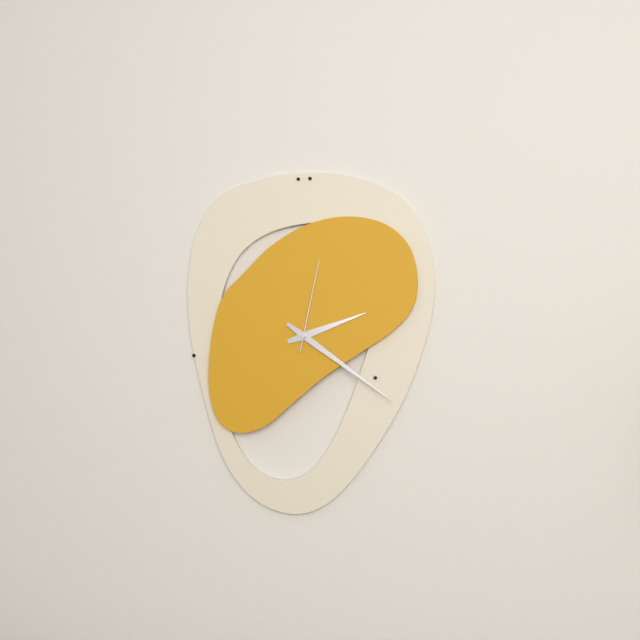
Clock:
2:21:02
